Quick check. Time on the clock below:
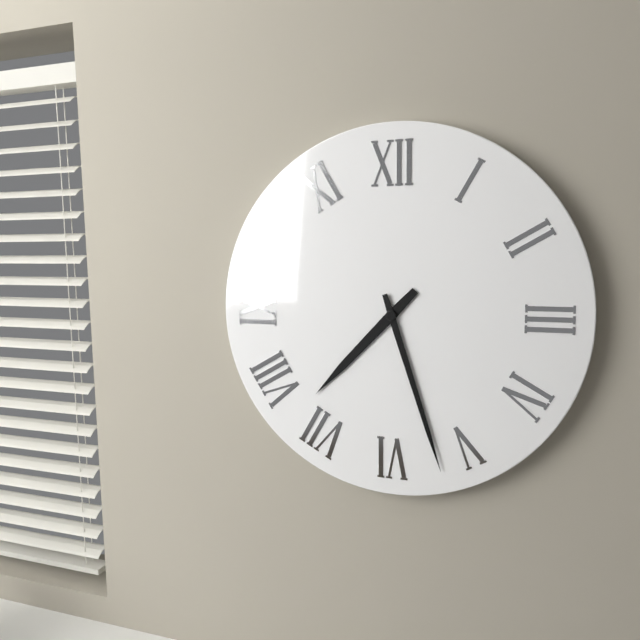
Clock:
7:27
